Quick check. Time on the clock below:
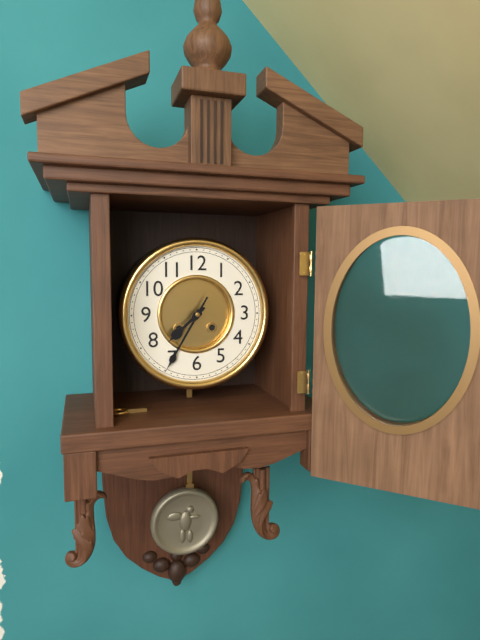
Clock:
7:35
